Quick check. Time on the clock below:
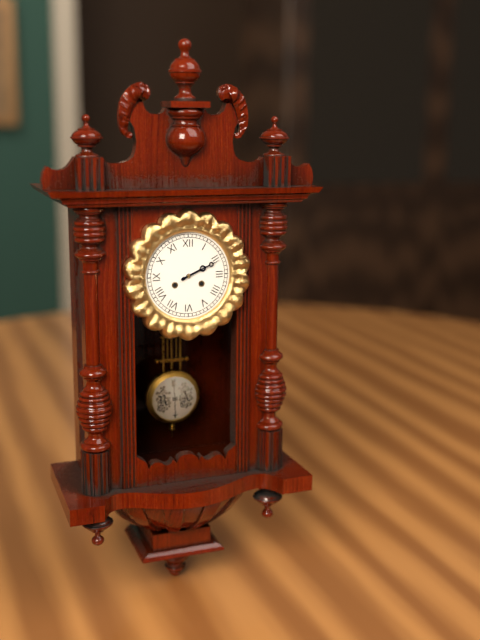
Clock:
2:11
